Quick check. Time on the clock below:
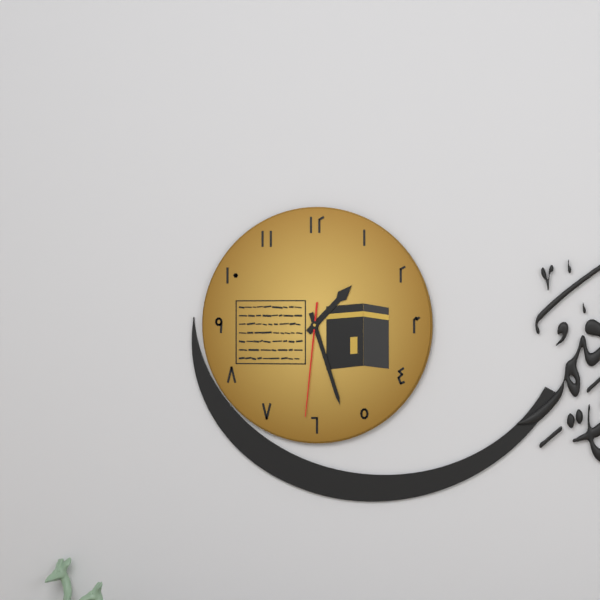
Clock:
1:27:31
